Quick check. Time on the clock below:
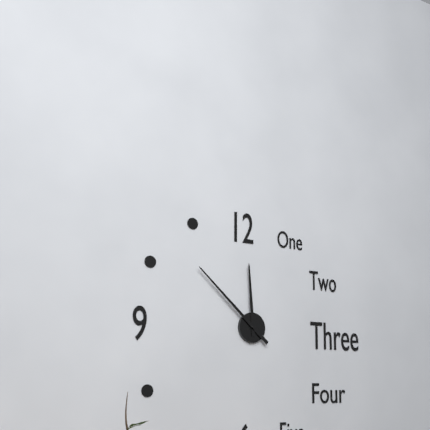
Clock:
11:52
